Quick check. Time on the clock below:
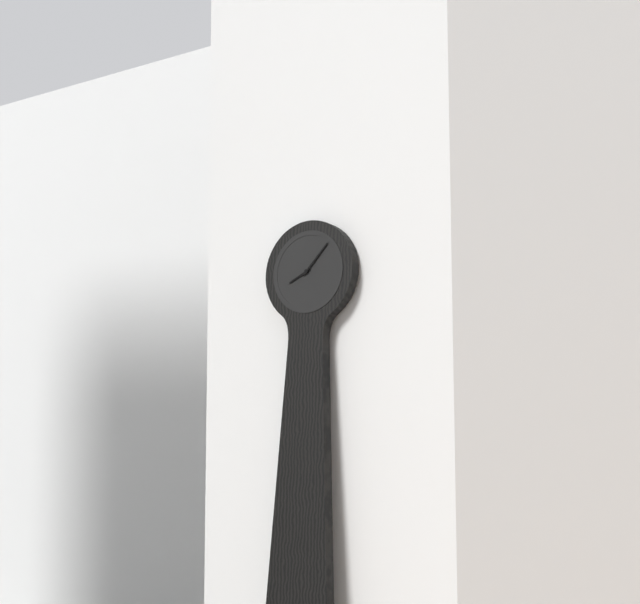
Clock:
8:07
